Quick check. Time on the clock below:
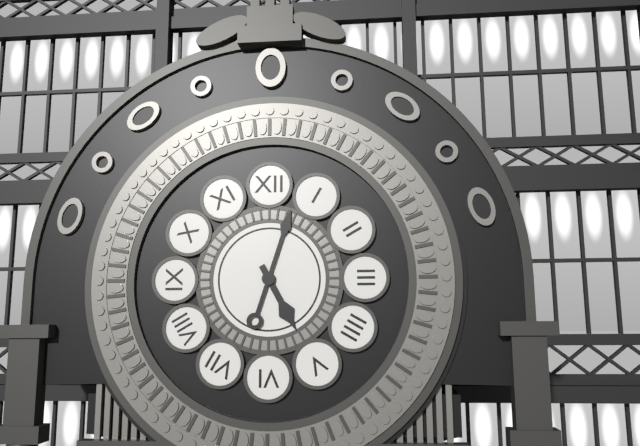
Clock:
5:03
